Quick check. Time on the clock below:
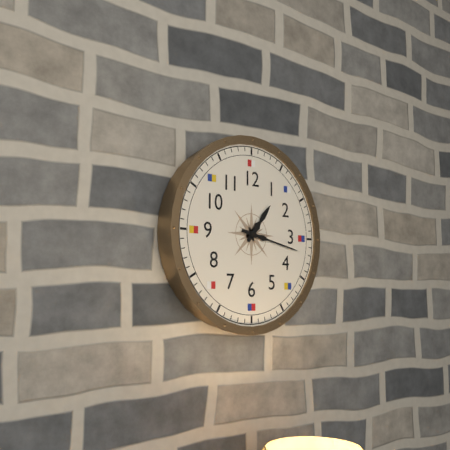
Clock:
1:17
